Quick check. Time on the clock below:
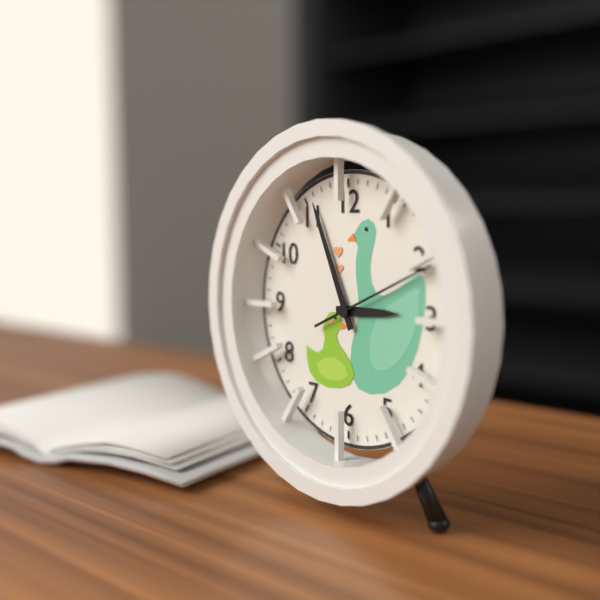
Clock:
2:56:11
